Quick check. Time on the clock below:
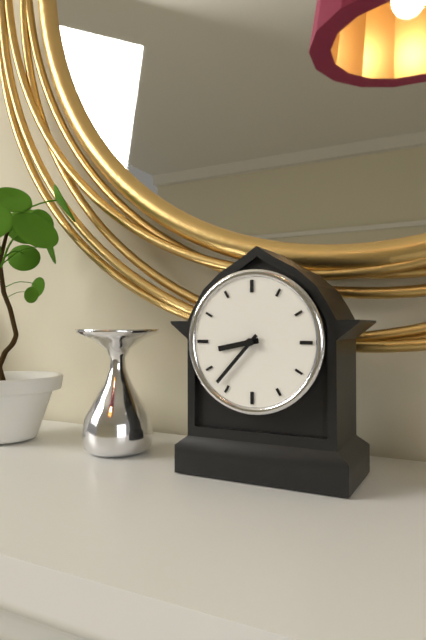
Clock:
8:37
